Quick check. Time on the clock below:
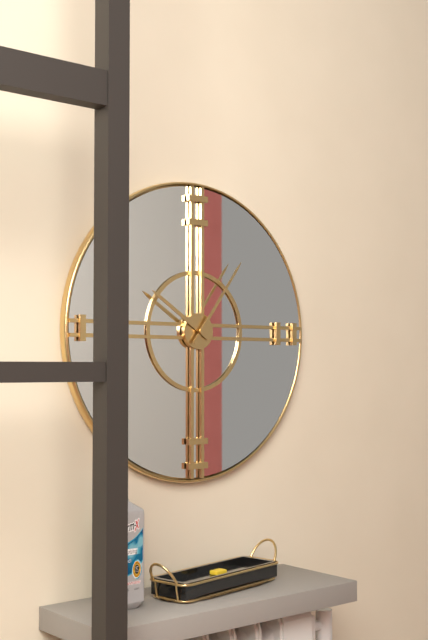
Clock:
10:06
